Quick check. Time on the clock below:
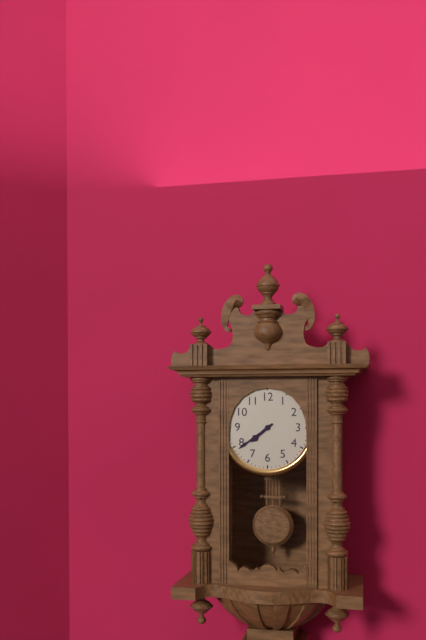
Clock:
7:39
